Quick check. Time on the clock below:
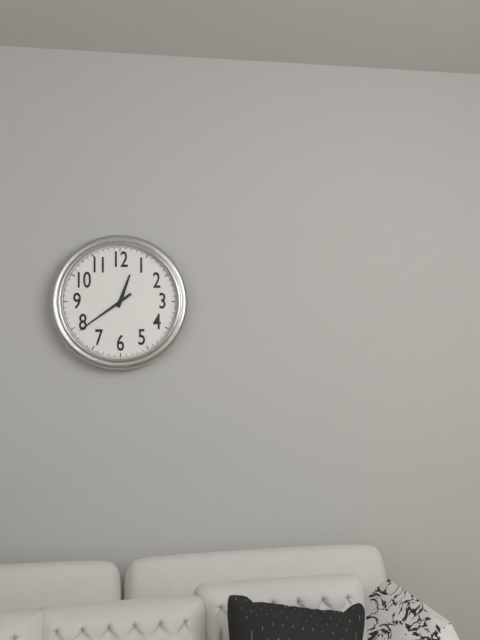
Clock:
12:39
